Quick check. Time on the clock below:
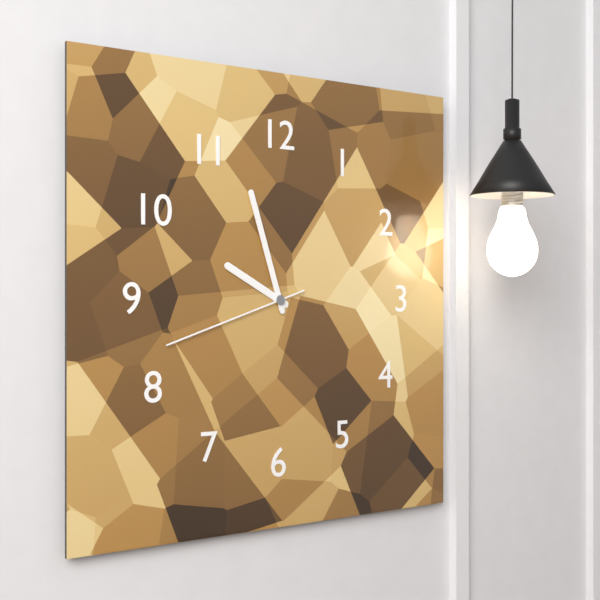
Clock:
9:57:42
